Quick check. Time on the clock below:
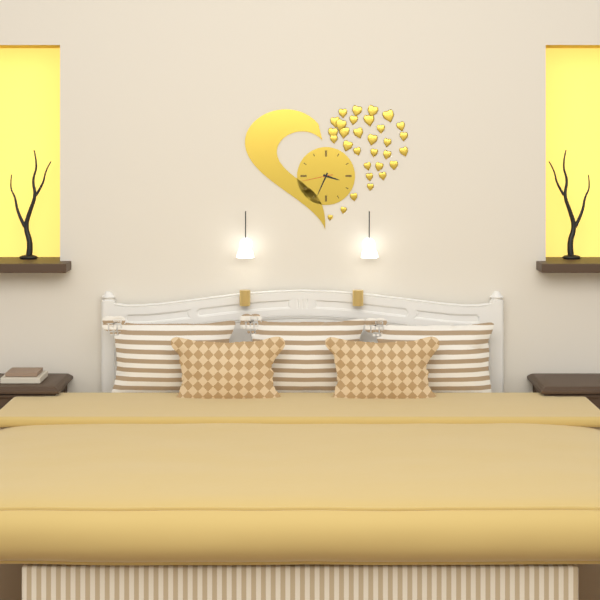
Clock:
3:34
